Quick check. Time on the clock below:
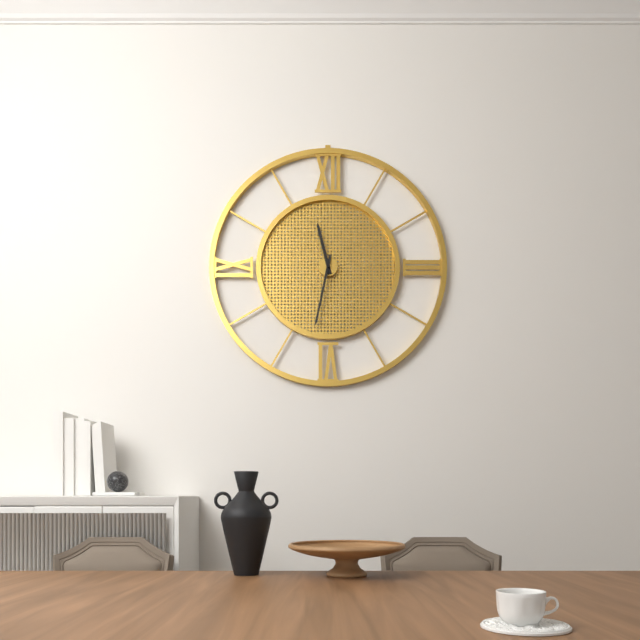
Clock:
11:32
